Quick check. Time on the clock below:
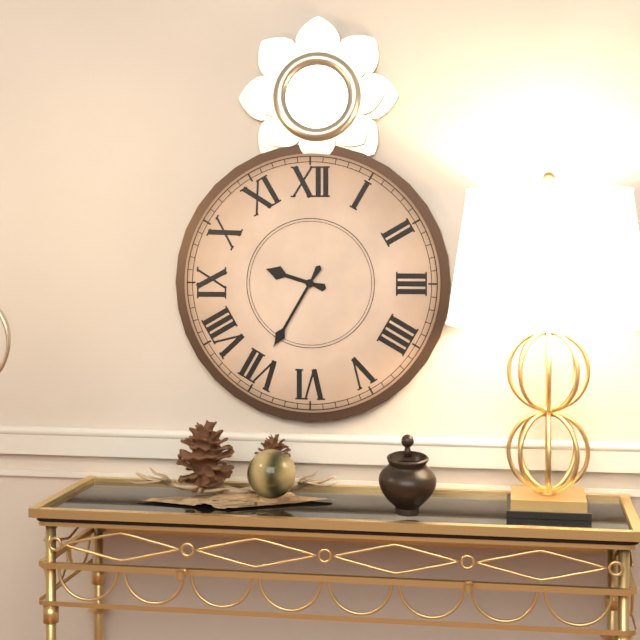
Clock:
9:35
